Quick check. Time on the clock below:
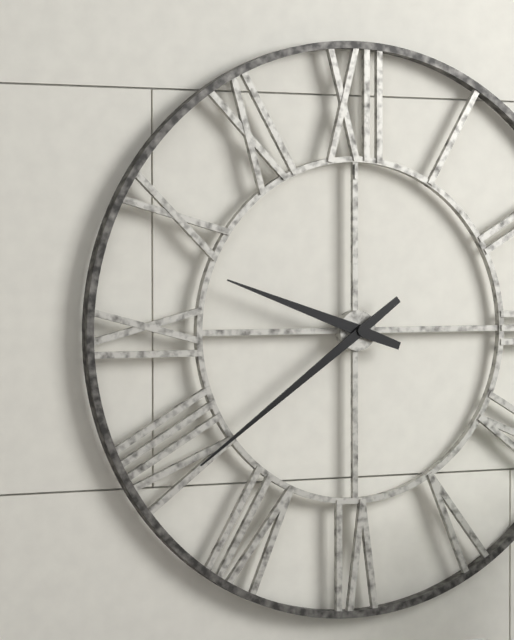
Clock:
9:39
